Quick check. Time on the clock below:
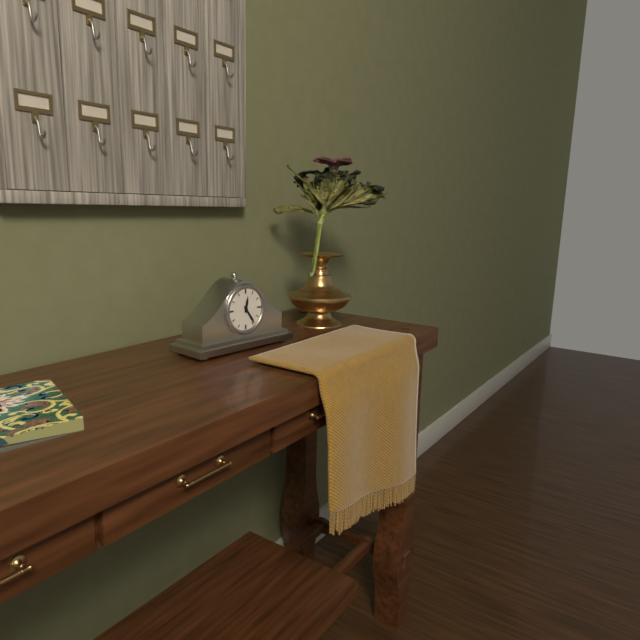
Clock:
12:24
